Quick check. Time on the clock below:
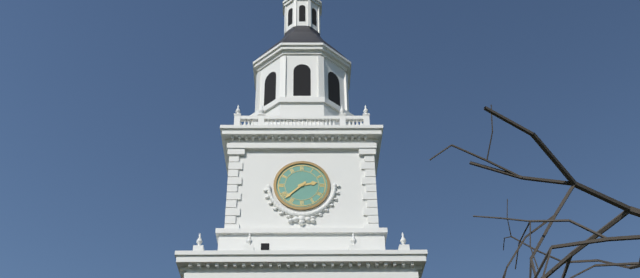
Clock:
2:38
